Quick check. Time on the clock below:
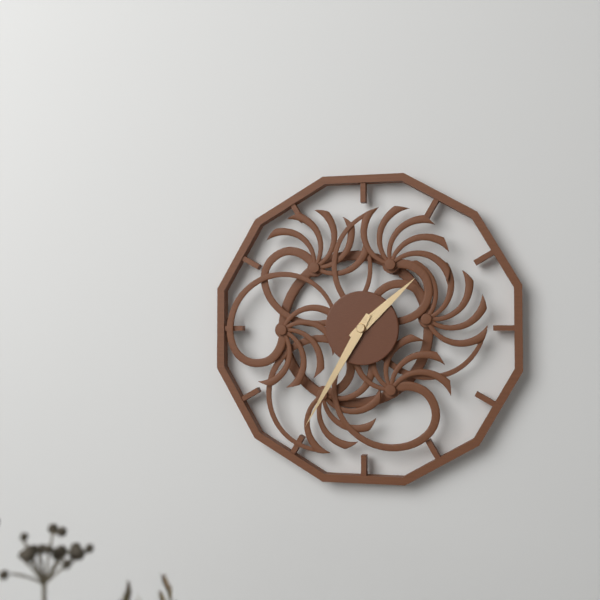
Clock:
1:35
